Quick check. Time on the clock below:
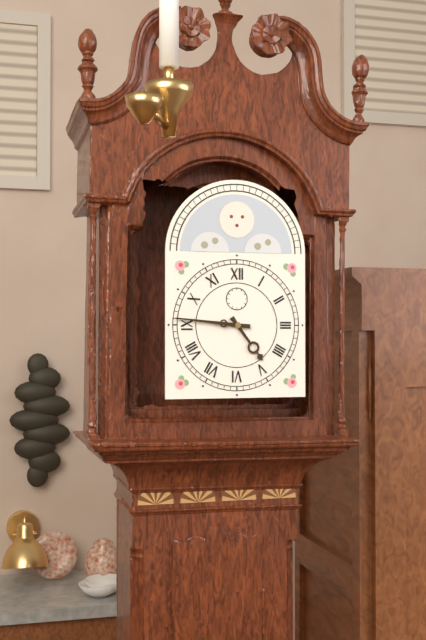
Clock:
4:46
